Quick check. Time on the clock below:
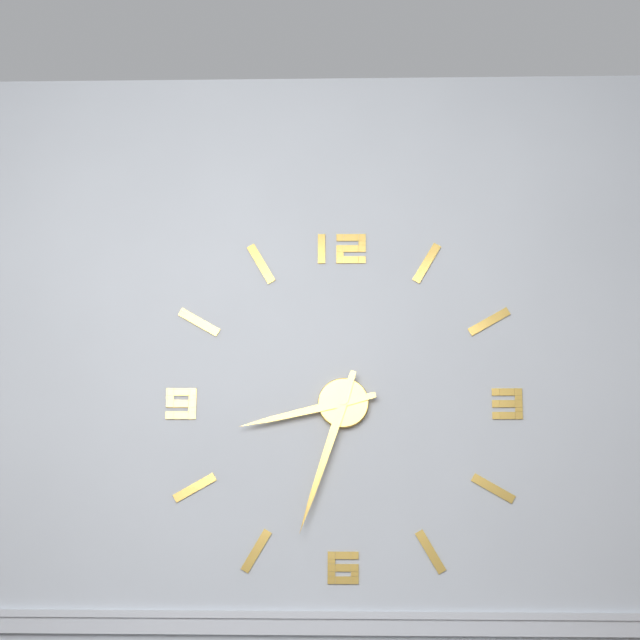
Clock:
8:33
